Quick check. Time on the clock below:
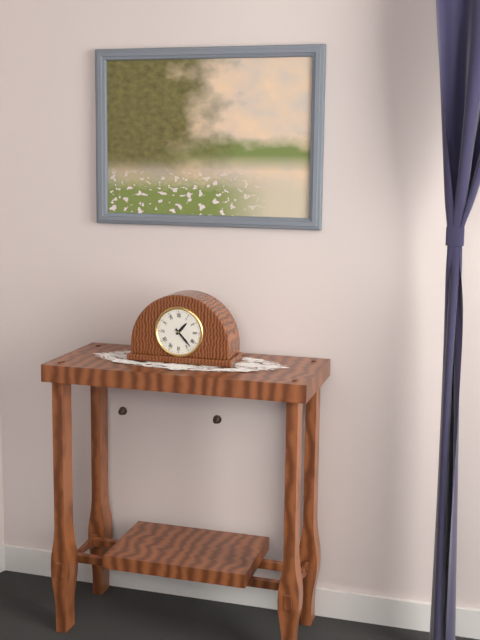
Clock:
1:23
